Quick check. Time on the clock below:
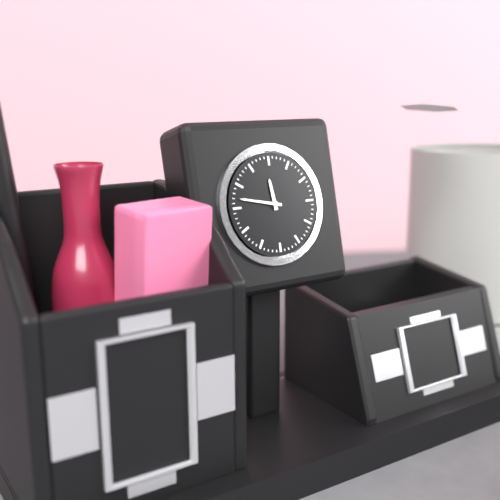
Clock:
11:47
